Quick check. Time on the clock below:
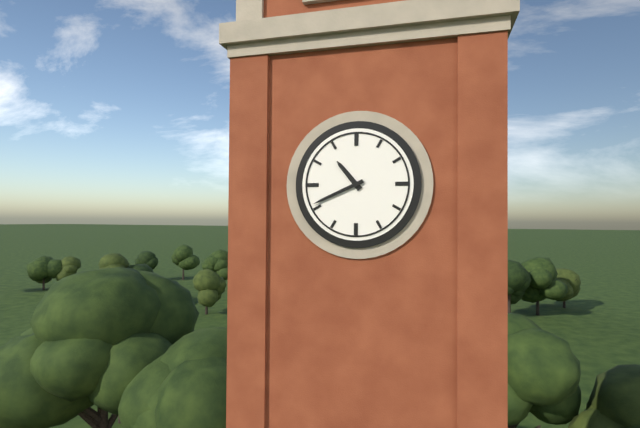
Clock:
10:41
